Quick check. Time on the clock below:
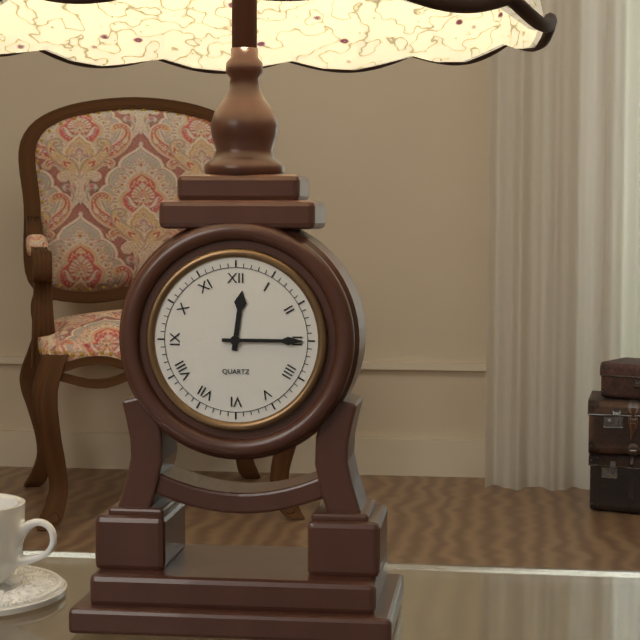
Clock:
12:15
